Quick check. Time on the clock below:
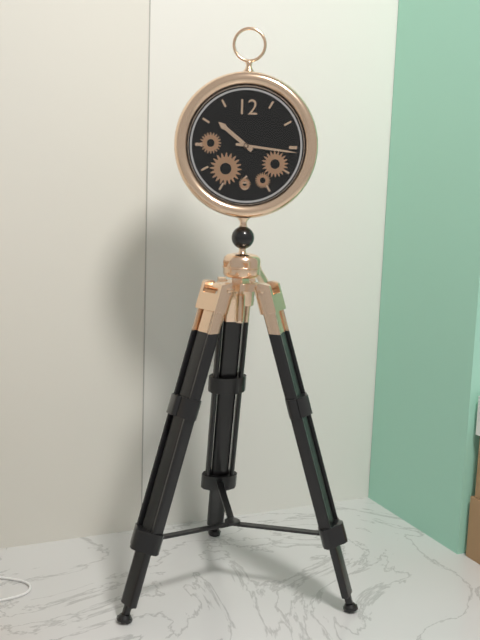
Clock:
10:16
